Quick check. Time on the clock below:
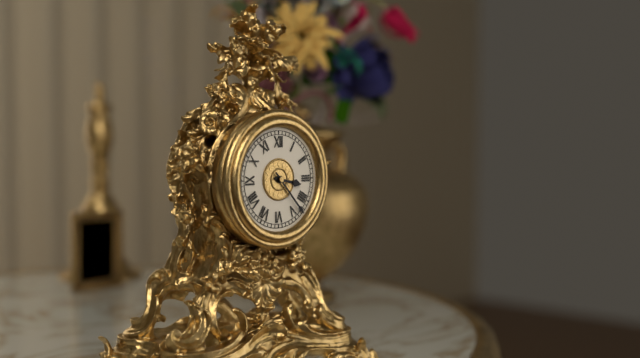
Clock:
3:23
